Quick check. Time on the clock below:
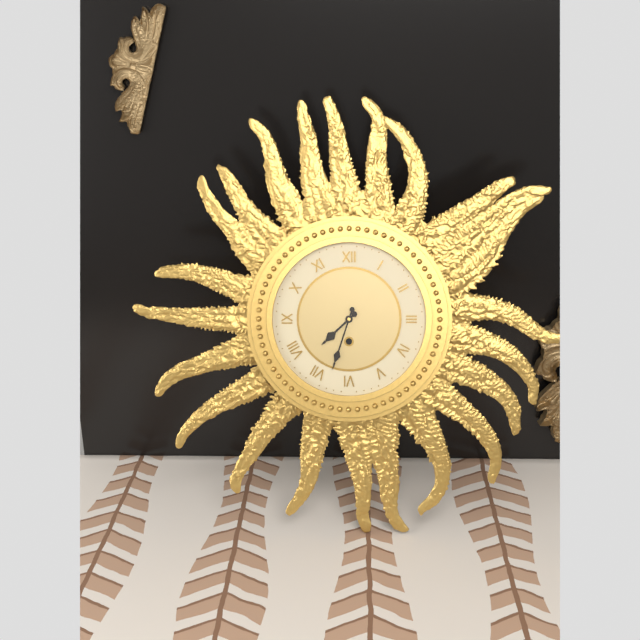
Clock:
7:33
